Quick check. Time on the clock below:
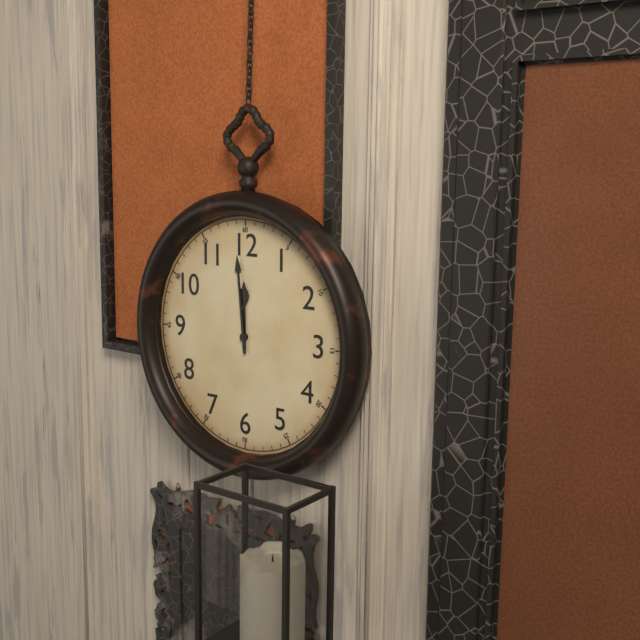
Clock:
11:59
